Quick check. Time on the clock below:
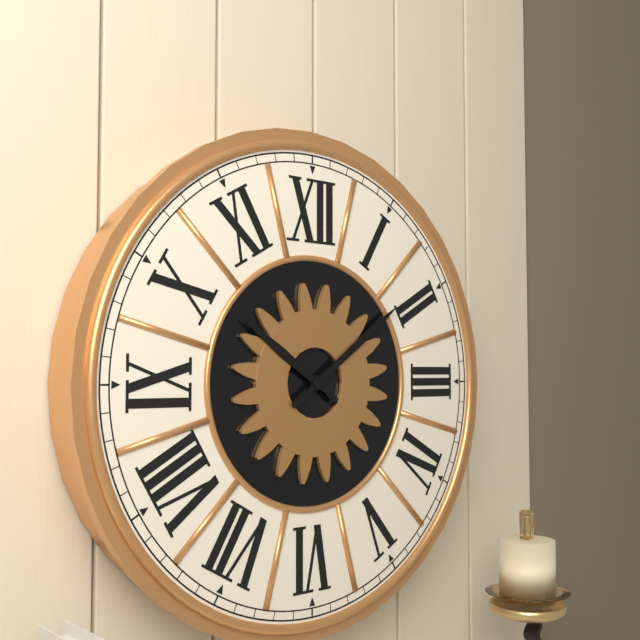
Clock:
10:09
